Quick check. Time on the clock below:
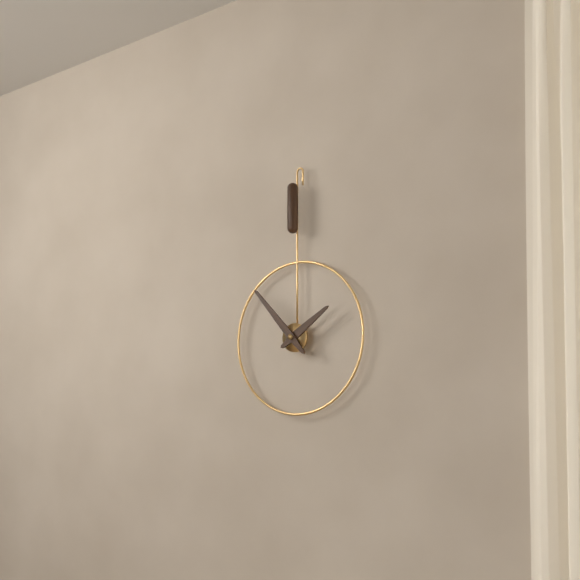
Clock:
1:53
